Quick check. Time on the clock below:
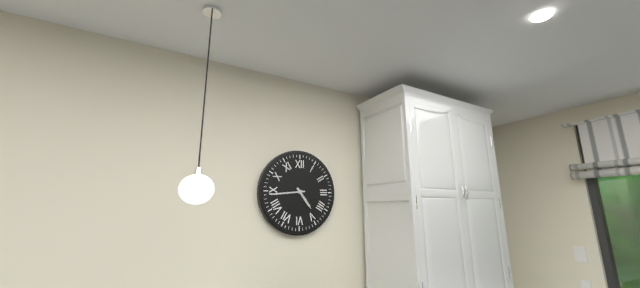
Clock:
4:44
